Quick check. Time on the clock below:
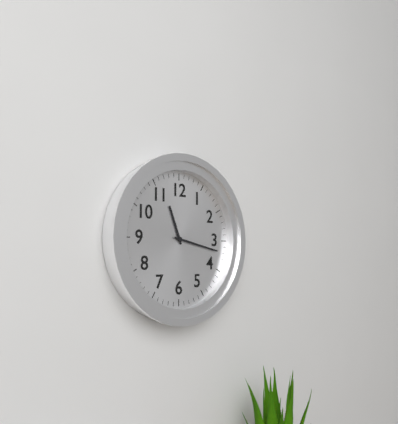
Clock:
11:17
